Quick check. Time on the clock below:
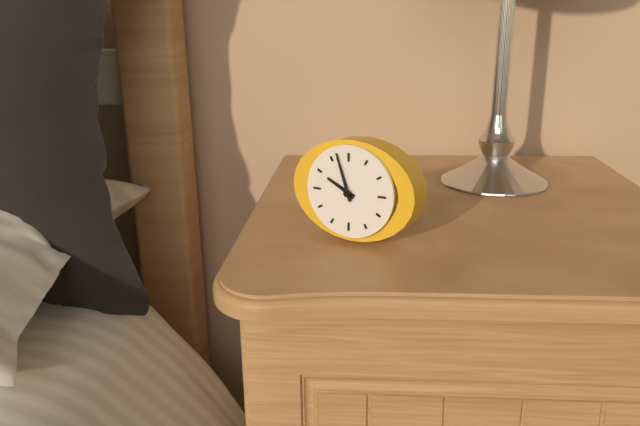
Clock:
9:57
